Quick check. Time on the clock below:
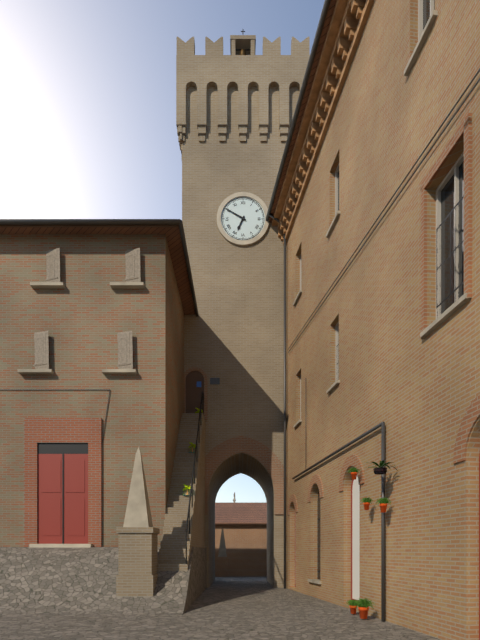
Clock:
6:50
